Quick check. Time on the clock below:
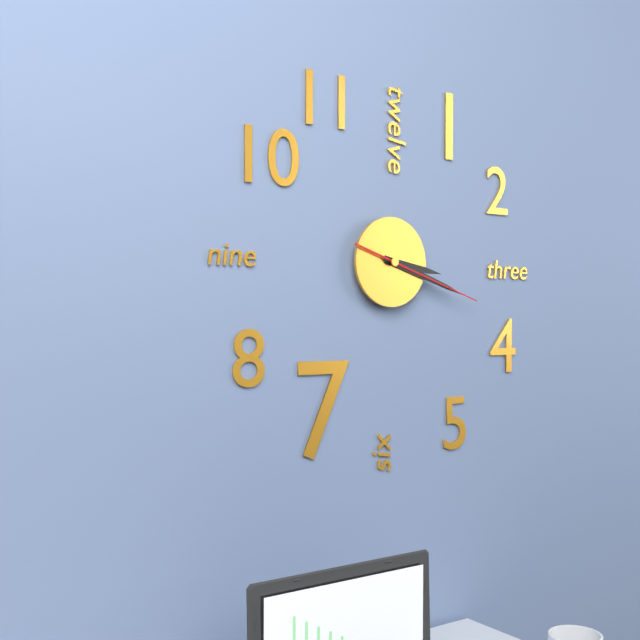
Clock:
3:18:18
